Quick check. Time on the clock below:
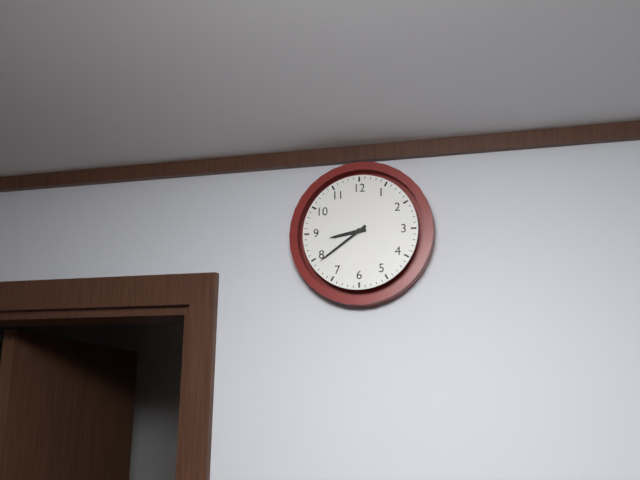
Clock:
8:39
